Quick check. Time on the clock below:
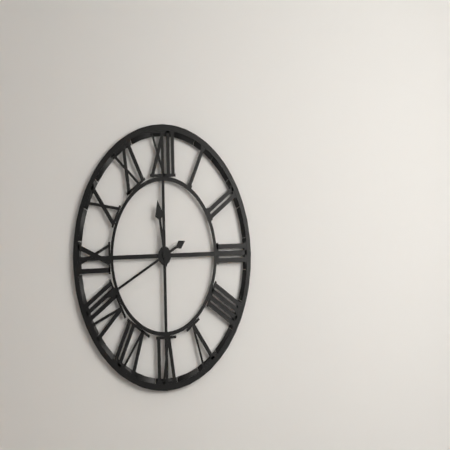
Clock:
11:41
